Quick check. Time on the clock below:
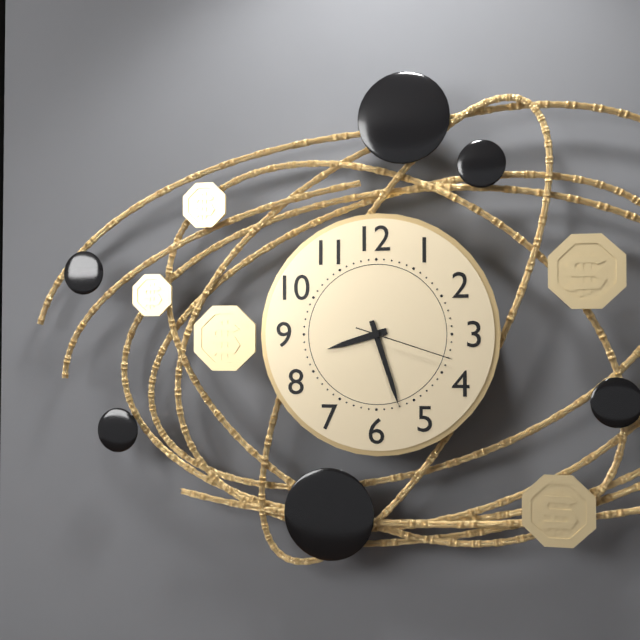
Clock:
8:27:18
